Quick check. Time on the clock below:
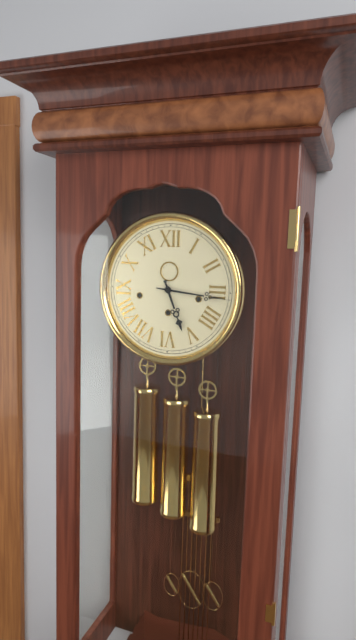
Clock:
5:16
